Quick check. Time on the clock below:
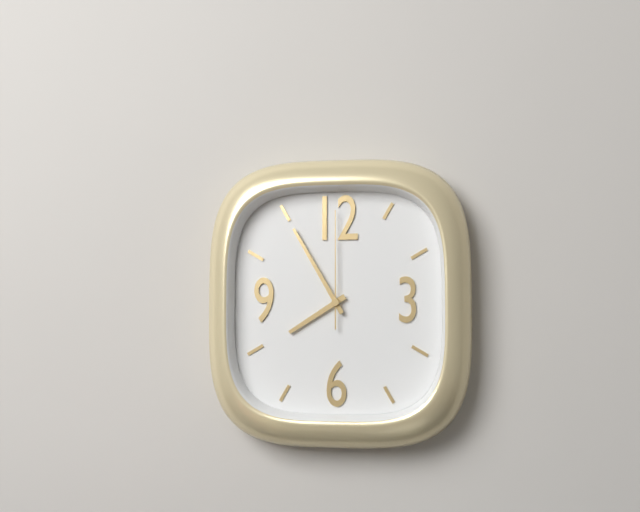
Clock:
7:55:00
